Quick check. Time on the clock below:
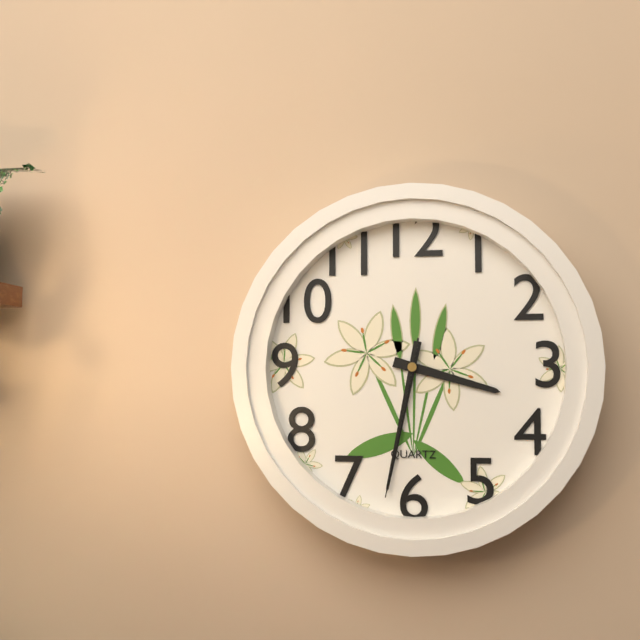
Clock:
3:32:32
